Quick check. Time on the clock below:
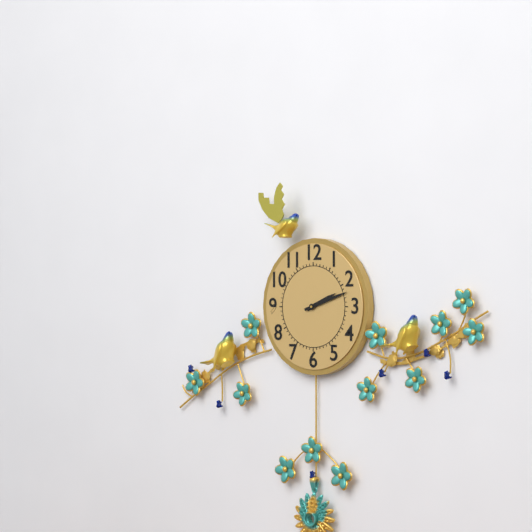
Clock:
2:12
